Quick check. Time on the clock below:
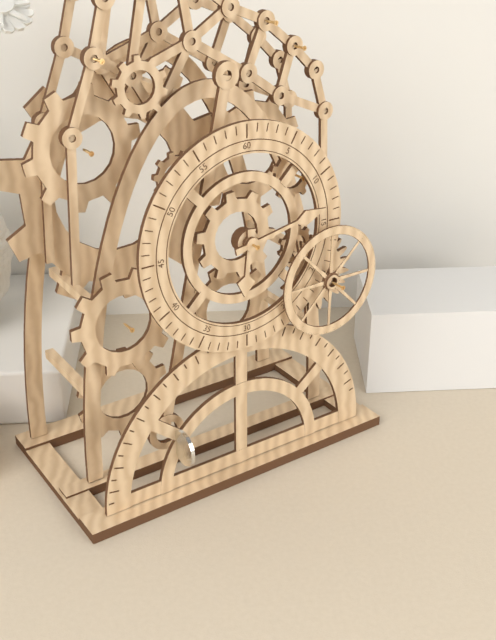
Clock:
6:13
